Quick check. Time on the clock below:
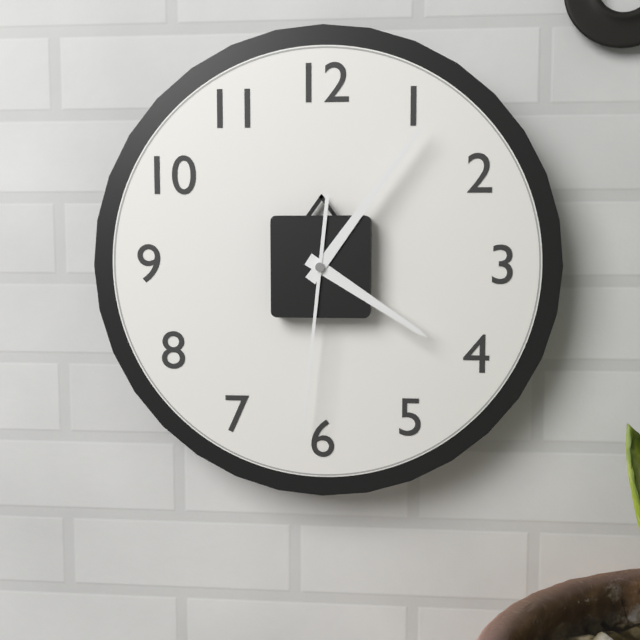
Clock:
4:06:31
